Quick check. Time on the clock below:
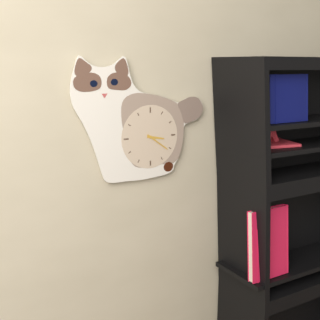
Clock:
3:21
